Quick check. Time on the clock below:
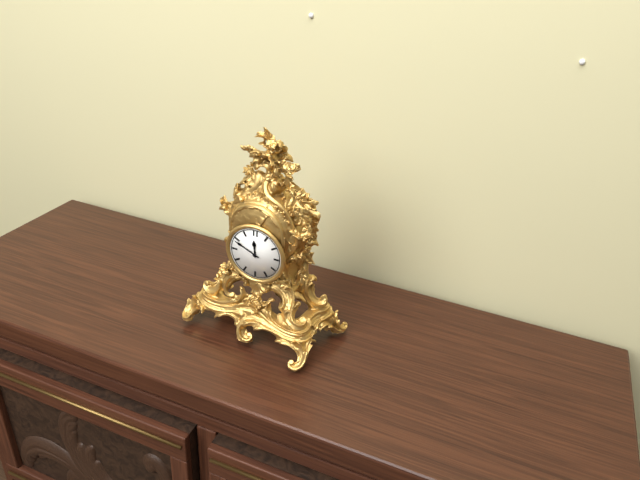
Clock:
11:49
